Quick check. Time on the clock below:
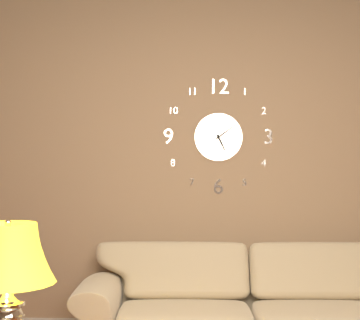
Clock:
5:09
